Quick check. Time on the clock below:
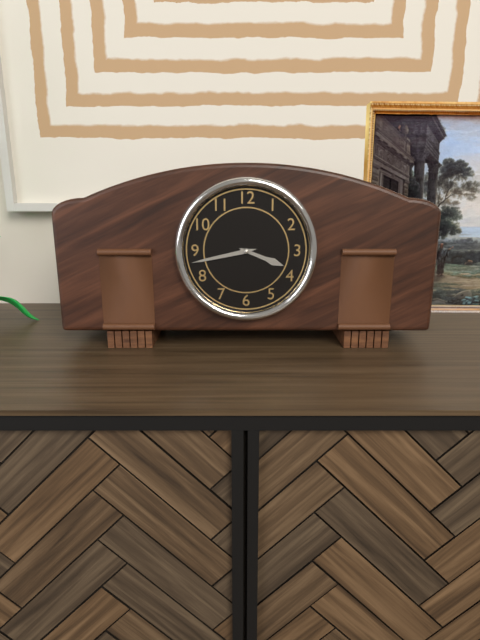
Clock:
3:43
